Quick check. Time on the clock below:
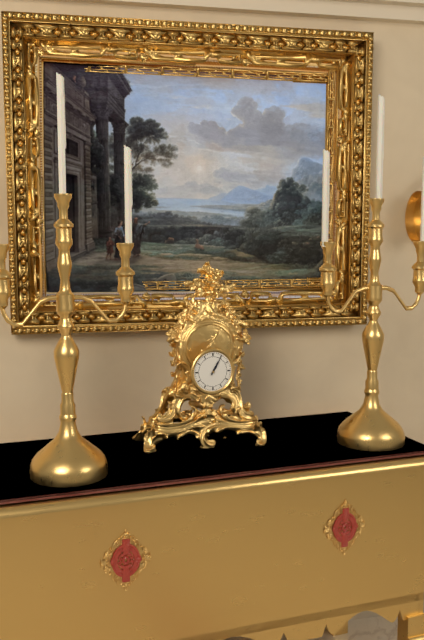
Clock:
1:05
